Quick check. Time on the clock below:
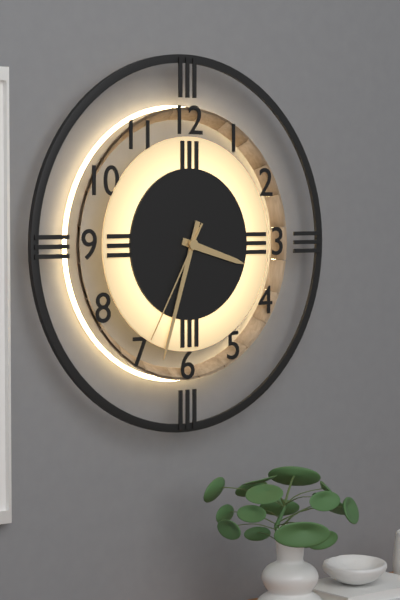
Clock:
3:33:35
